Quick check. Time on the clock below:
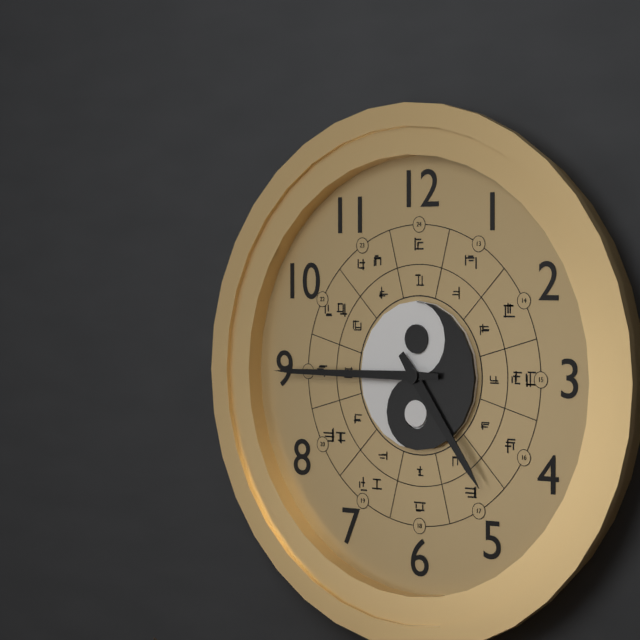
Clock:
4:45
